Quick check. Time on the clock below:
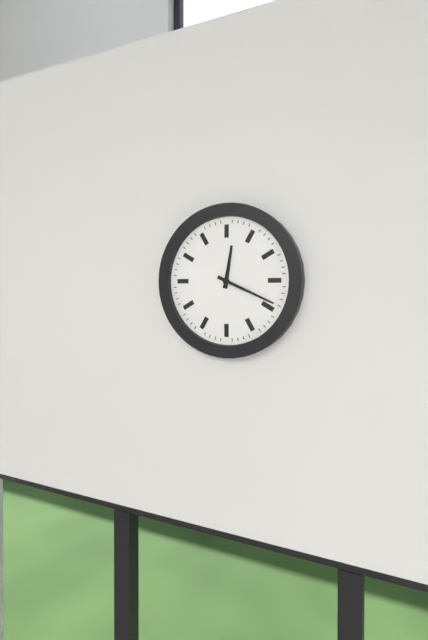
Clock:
12:19
